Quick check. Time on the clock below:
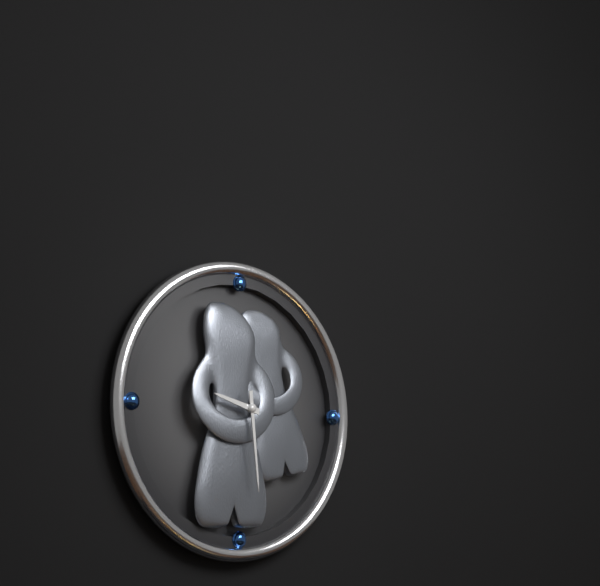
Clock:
9:29
